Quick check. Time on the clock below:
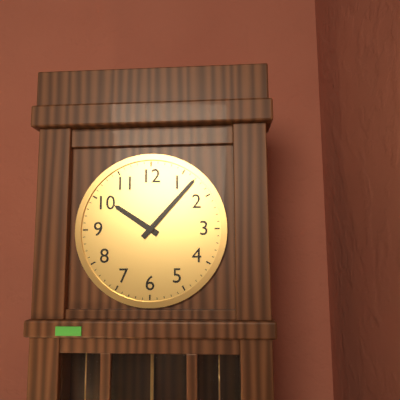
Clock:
10:07
